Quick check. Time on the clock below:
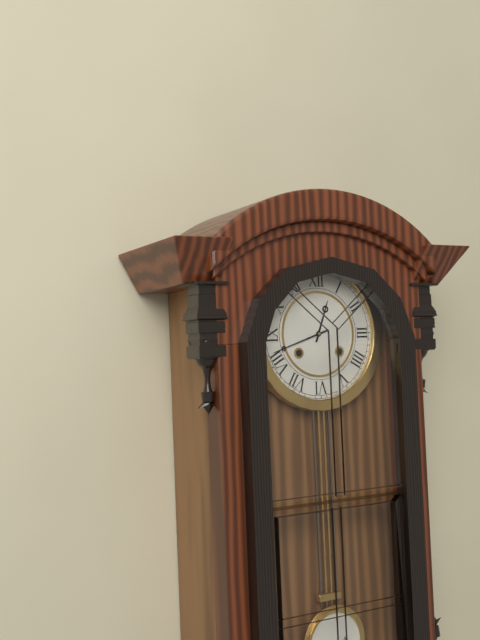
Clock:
12:42
